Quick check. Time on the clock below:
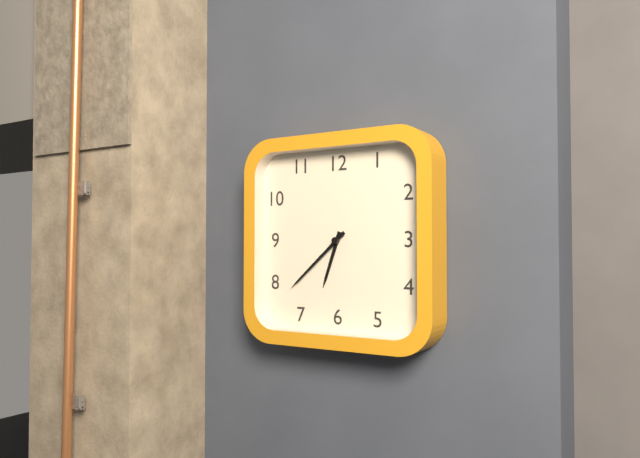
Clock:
6:38
